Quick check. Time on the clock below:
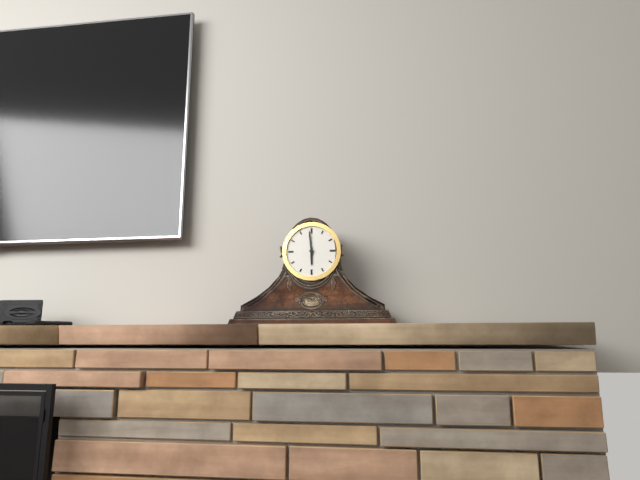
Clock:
5:59
